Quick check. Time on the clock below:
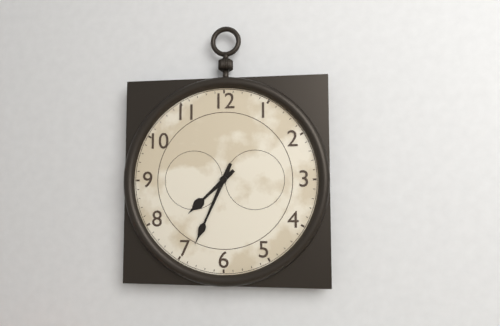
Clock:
7:34
